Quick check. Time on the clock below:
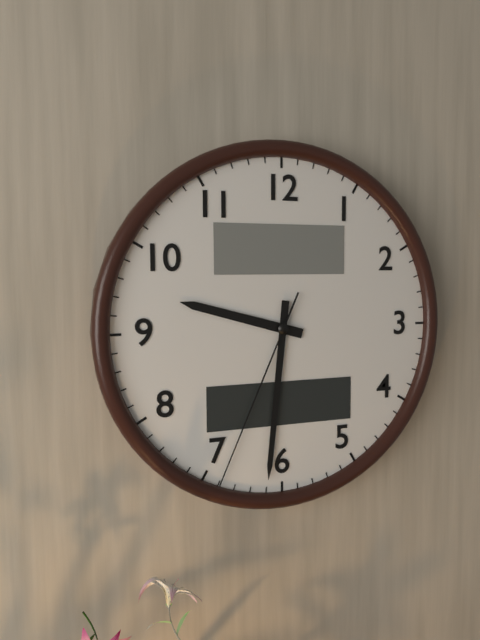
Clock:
9:31:34
